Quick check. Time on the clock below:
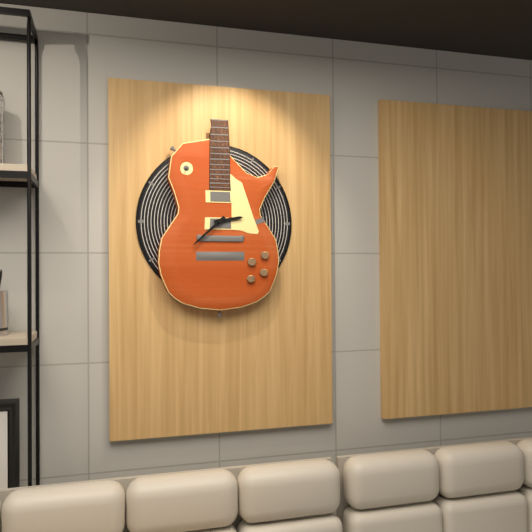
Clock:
2:38
